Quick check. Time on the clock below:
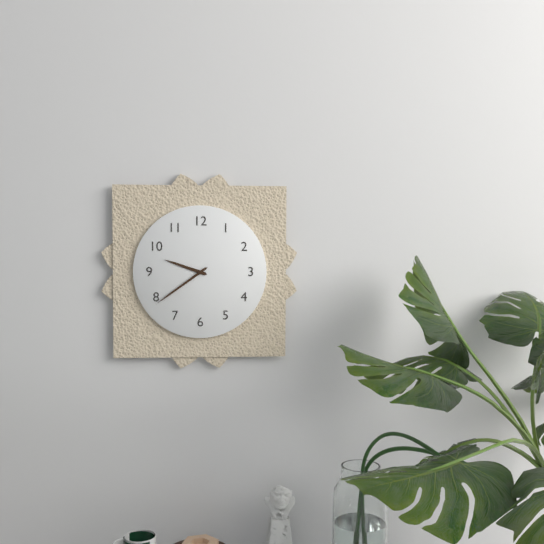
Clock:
9:39
